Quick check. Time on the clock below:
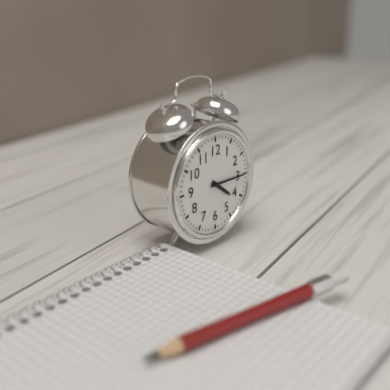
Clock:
4:15
